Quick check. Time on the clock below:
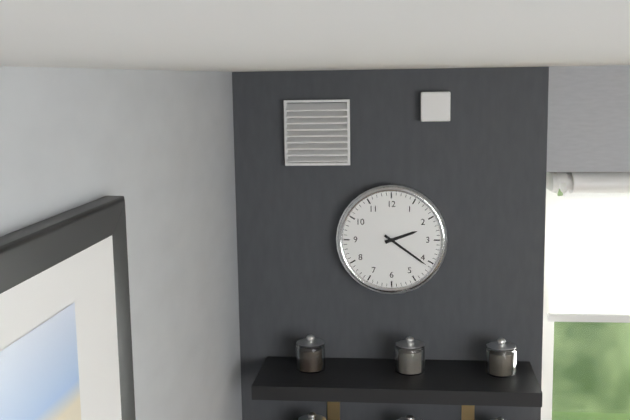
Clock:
2:21
